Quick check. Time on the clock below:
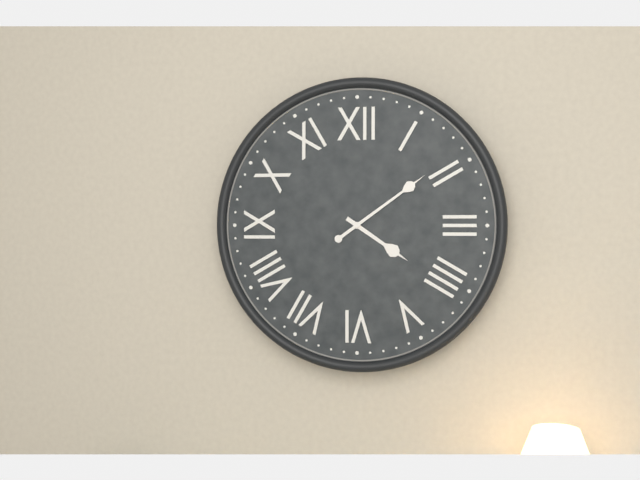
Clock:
4:09
